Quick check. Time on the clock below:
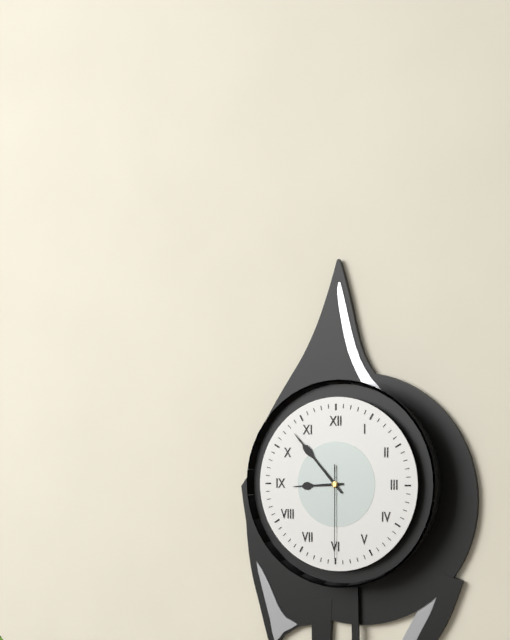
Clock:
8:53:30
